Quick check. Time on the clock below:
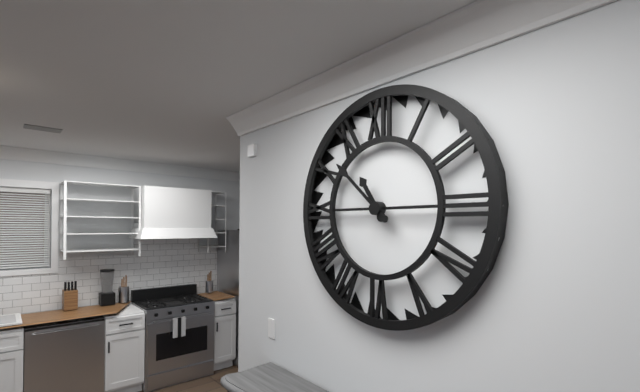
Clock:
10:52
